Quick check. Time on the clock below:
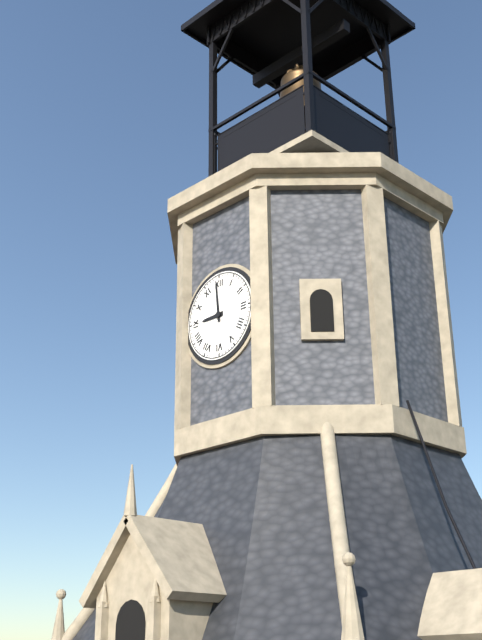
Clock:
8:59
